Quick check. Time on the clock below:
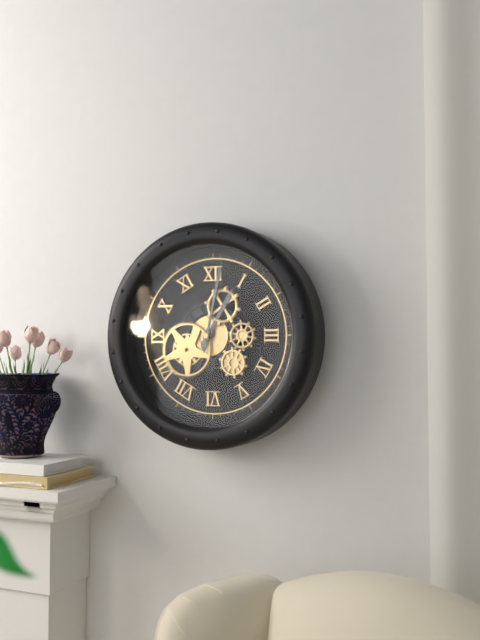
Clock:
1:02
